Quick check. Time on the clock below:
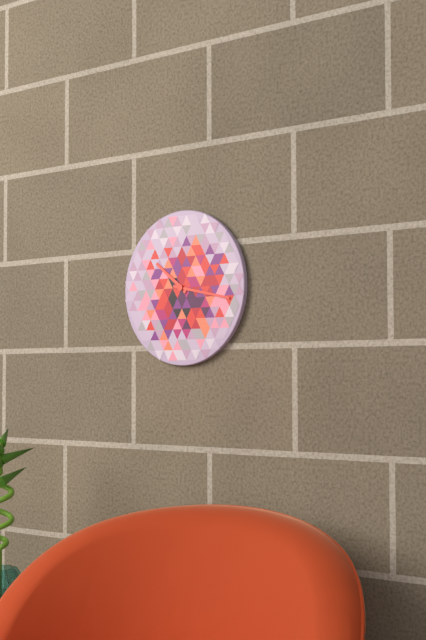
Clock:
10:17
